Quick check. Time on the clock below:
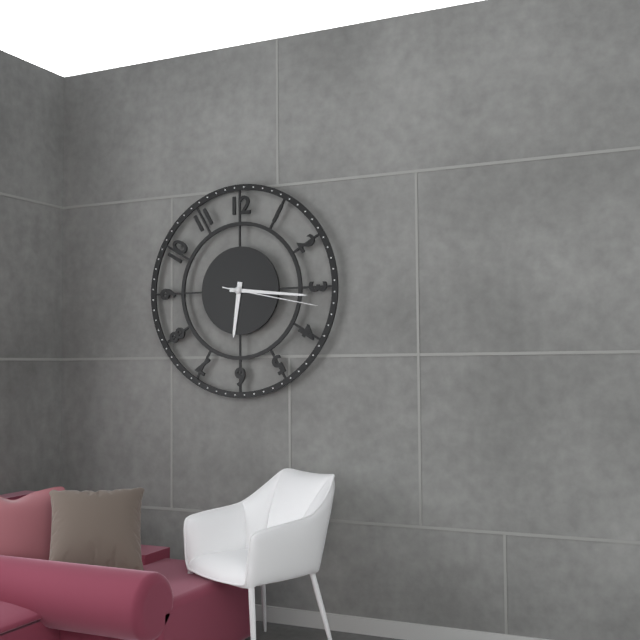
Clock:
6:16:17
